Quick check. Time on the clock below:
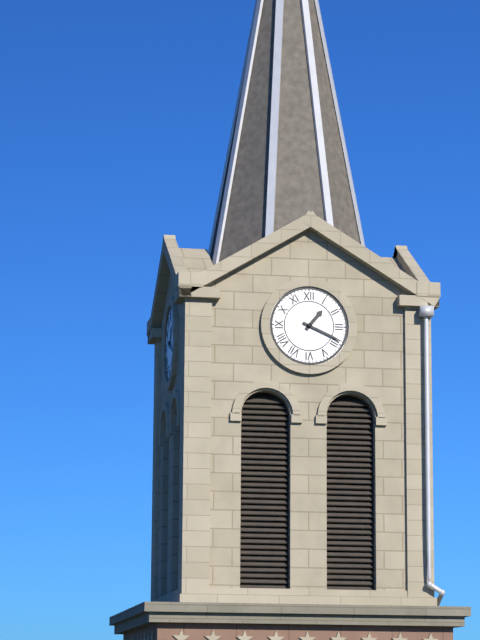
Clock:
1:19
